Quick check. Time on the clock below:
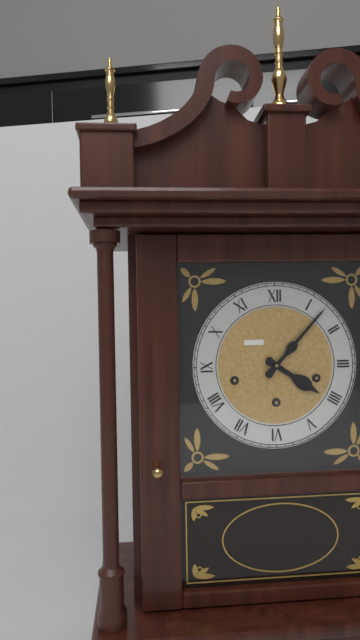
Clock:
4:07
